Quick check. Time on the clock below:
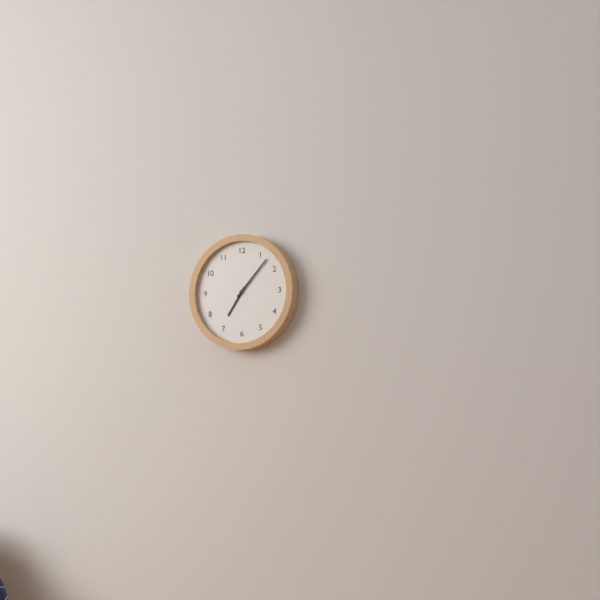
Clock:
7:07
